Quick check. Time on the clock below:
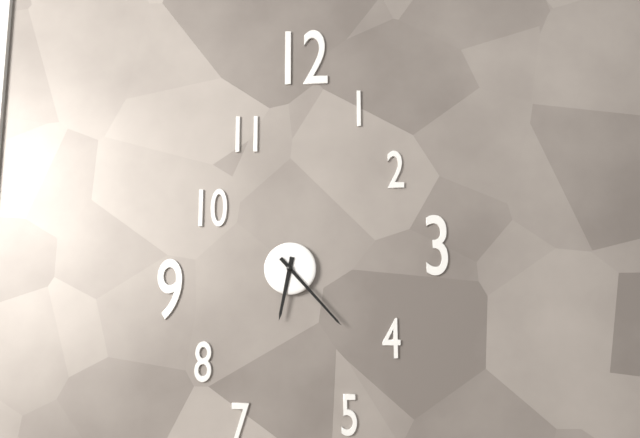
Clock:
6:23
